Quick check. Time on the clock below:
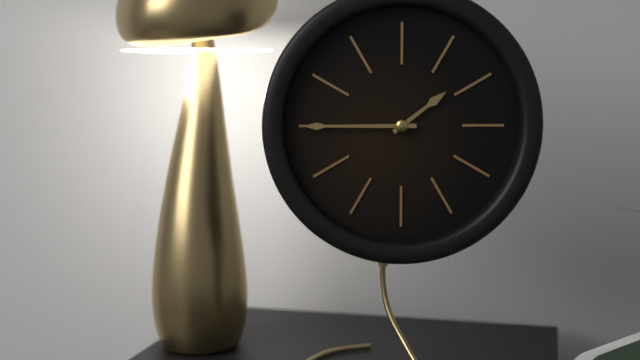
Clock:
1:45
